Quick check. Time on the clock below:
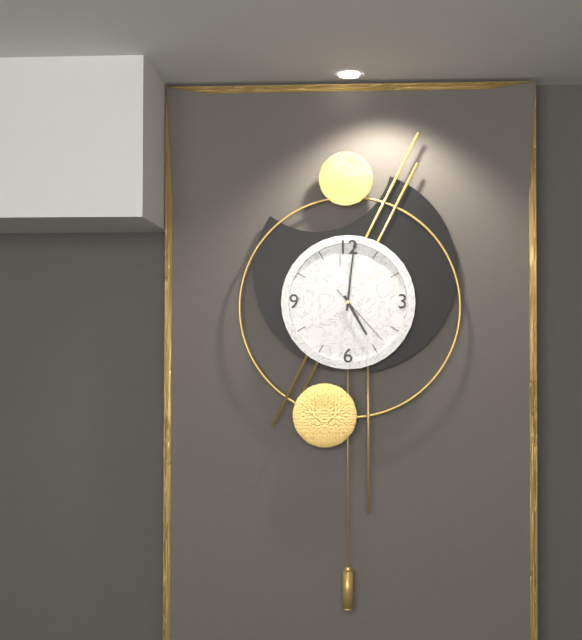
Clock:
5:01:23
